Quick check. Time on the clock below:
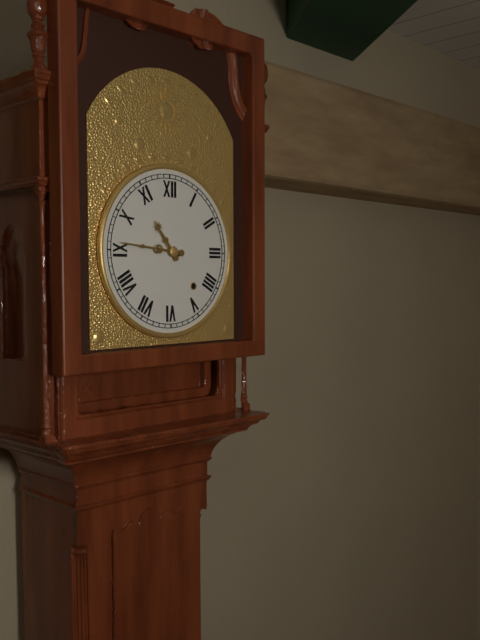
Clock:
10:46
